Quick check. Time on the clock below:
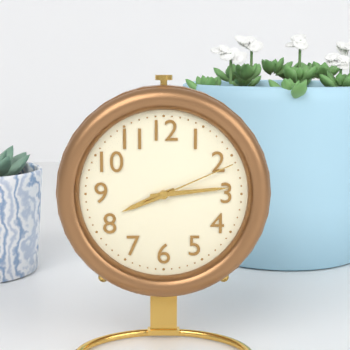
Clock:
8:14:11
